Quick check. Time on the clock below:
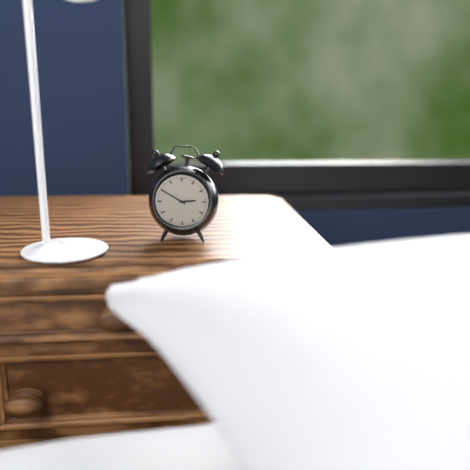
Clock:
2:50
